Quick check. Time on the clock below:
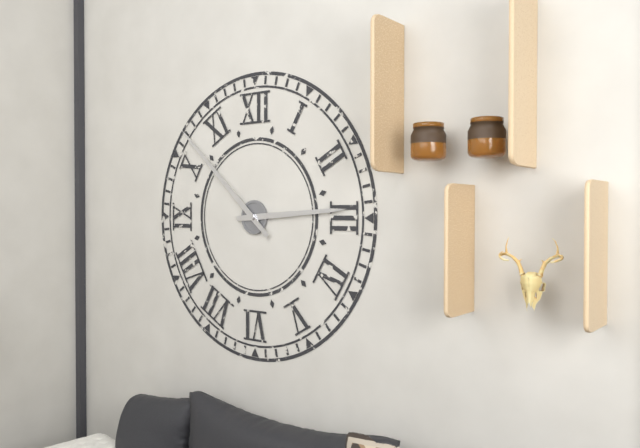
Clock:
2:52
